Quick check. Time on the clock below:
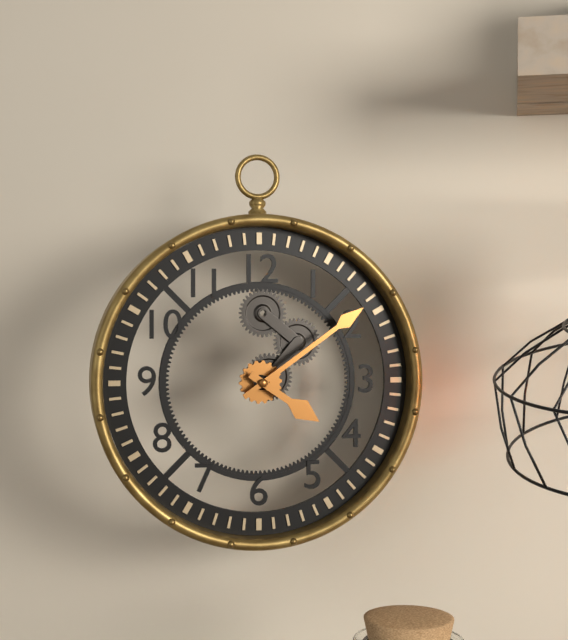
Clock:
4:09
